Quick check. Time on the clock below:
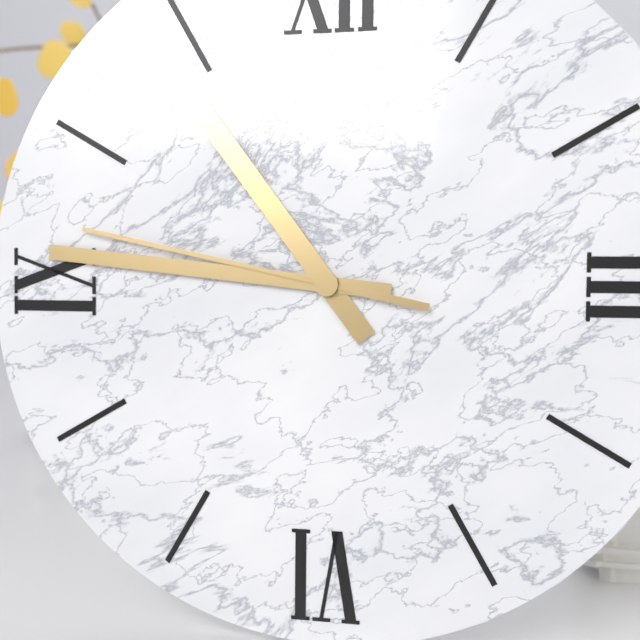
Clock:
10:46:47
